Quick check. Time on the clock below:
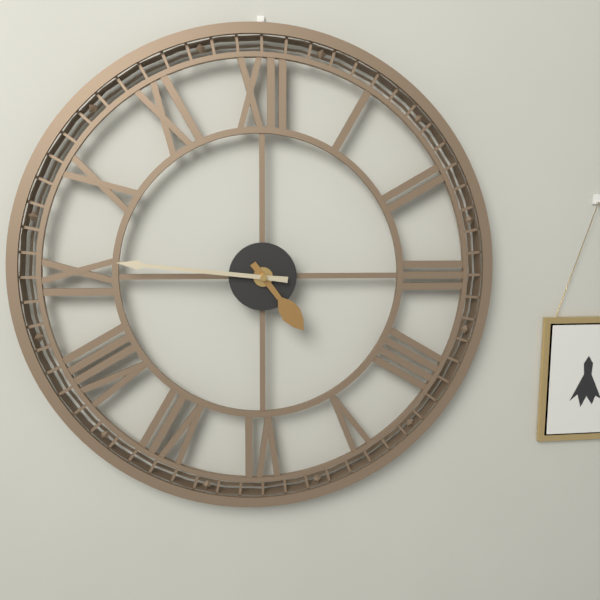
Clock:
4:46
